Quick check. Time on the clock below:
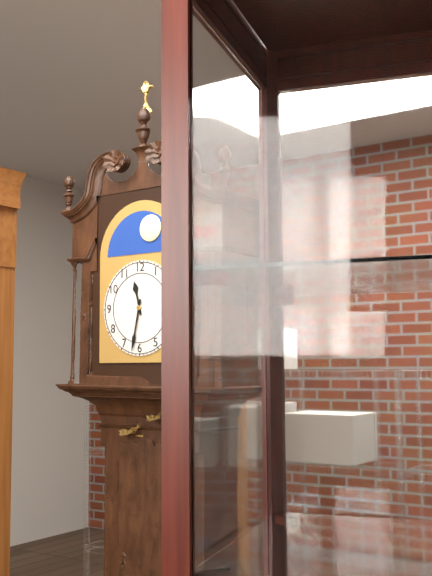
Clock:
11:32
